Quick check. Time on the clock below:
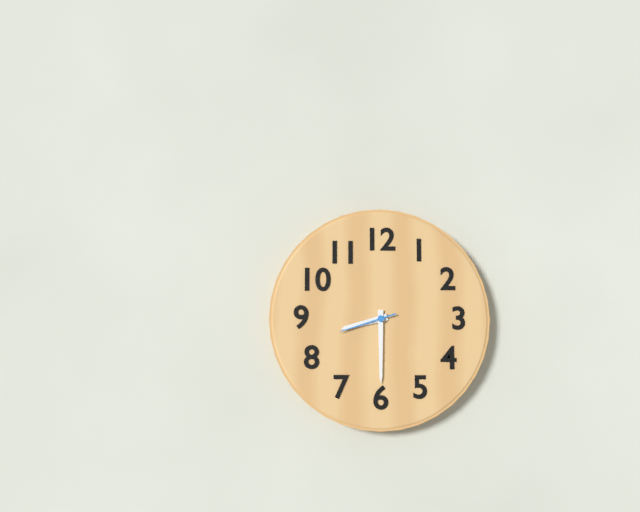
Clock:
8:30:42
